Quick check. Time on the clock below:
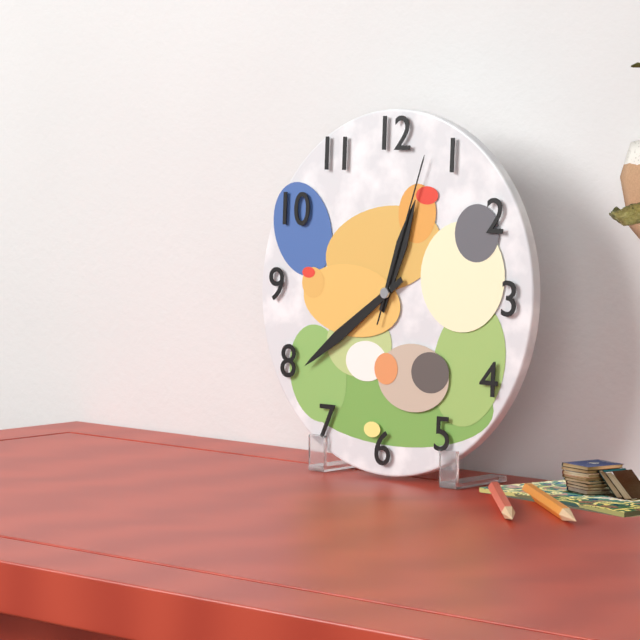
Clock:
12:39:03
